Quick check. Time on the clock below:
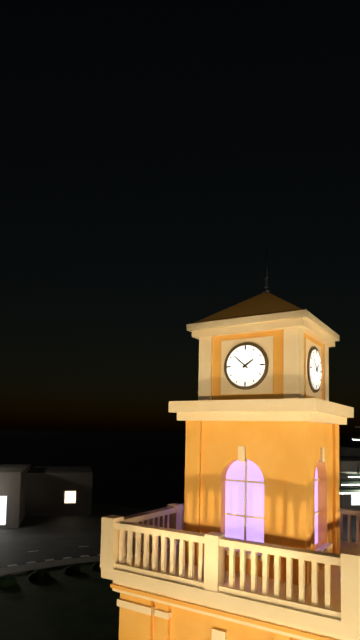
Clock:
1:52
